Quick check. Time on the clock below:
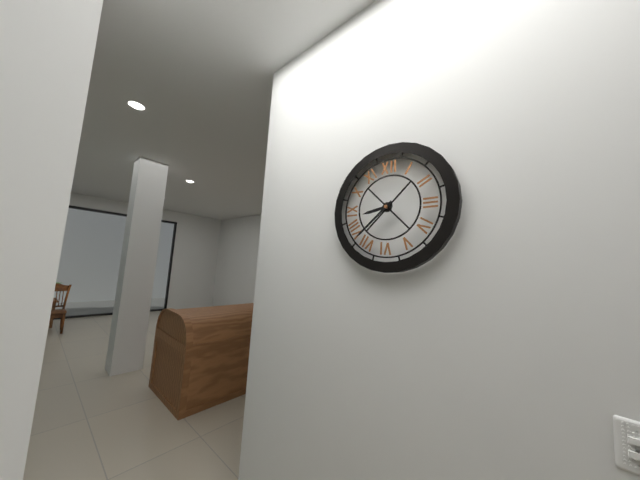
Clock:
8:38
